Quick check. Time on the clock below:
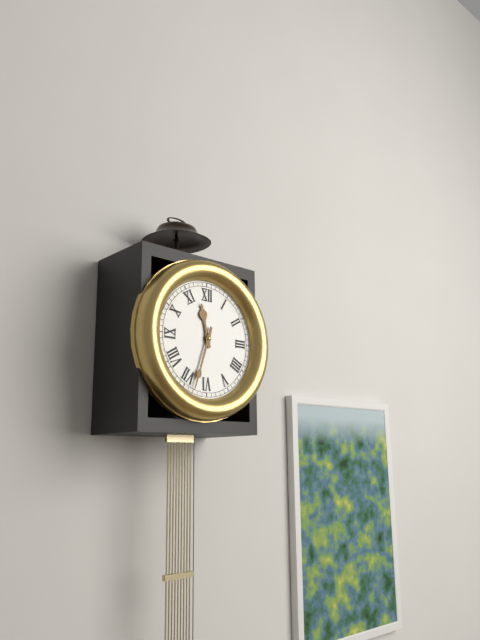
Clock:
11:33
